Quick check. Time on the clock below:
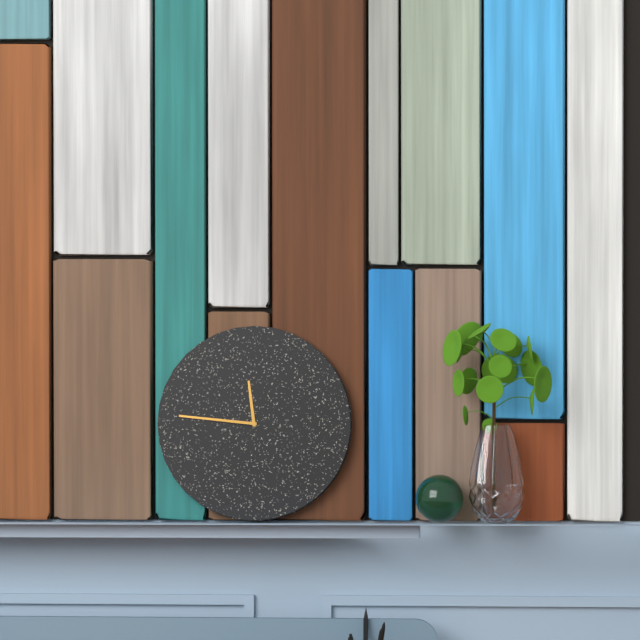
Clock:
11:46
